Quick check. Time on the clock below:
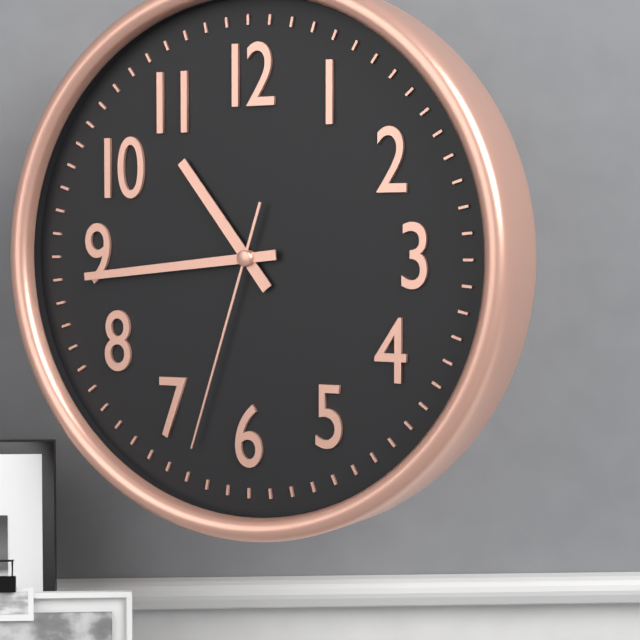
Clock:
10:44:33
